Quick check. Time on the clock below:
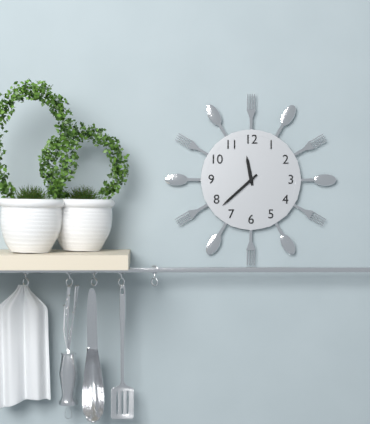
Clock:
11:38
